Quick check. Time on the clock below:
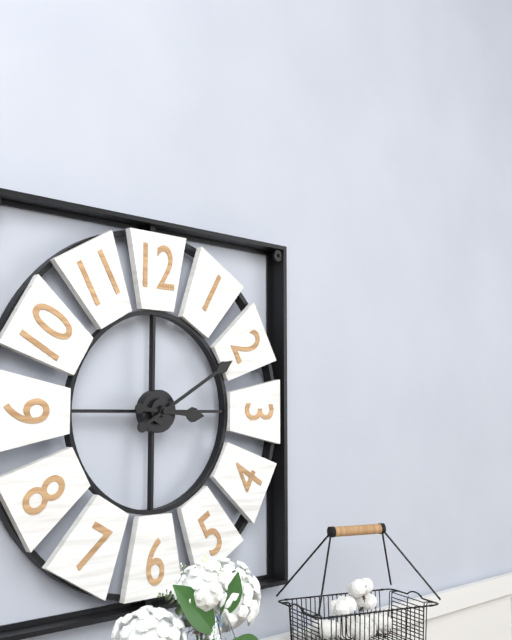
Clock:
3:10
